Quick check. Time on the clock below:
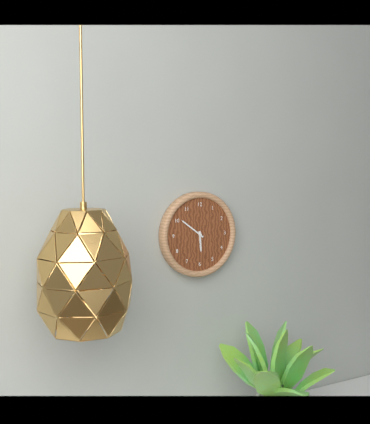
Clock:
5:51
